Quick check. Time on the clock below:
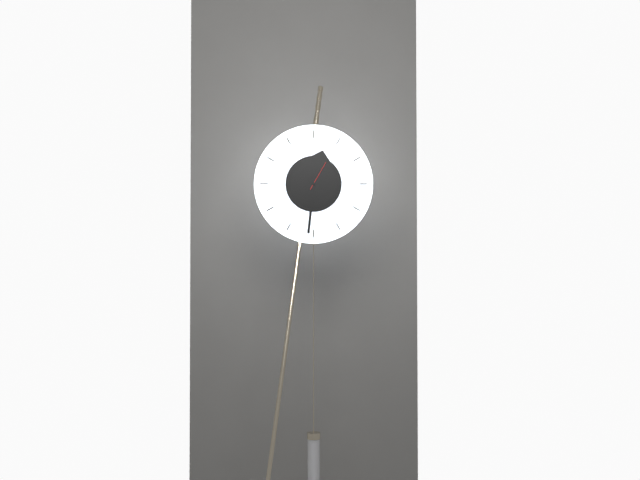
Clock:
12:31:05
